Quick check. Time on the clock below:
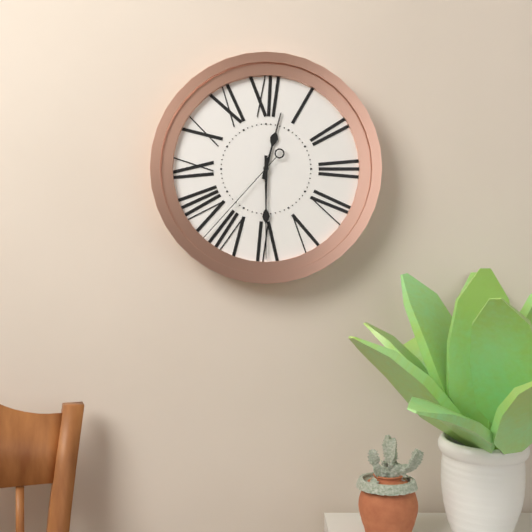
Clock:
12:30:37
